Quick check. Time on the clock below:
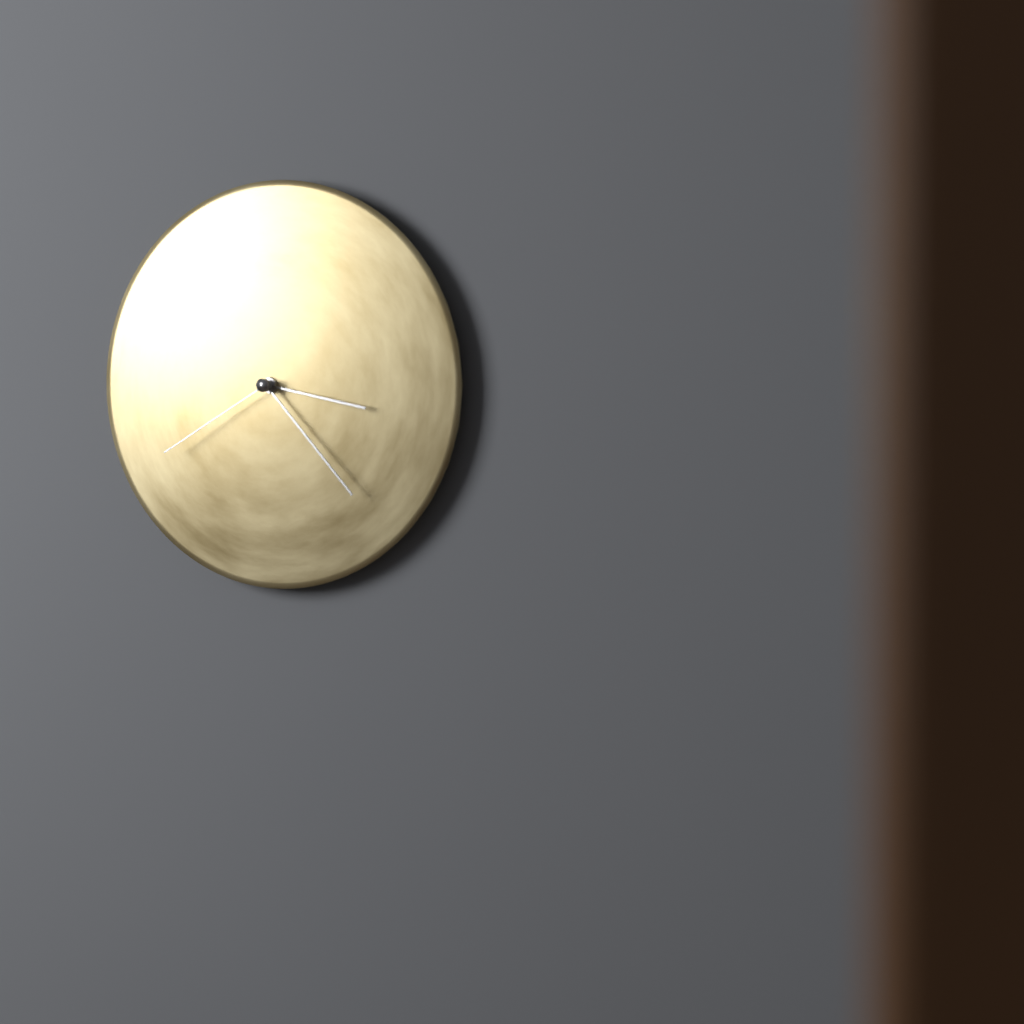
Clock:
3:23:40
